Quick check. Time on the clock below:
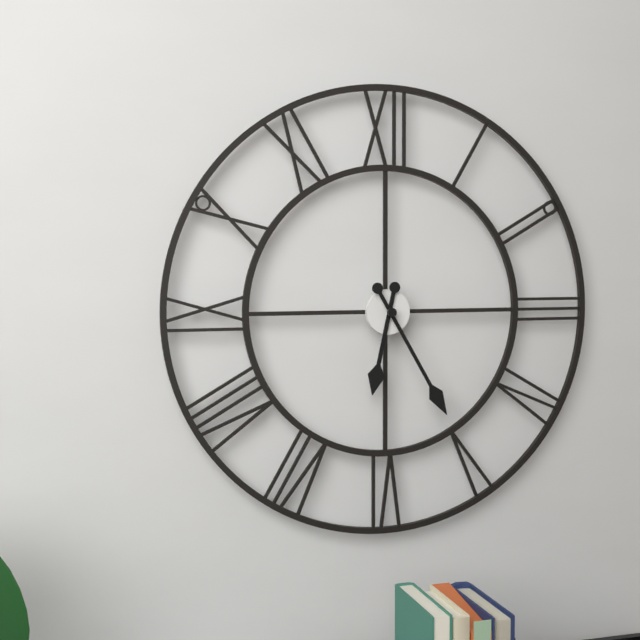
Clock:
6:25
